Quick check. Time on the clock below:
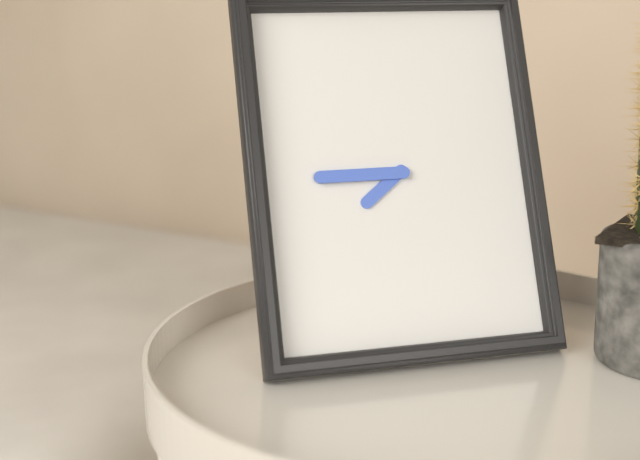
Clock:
7:45
